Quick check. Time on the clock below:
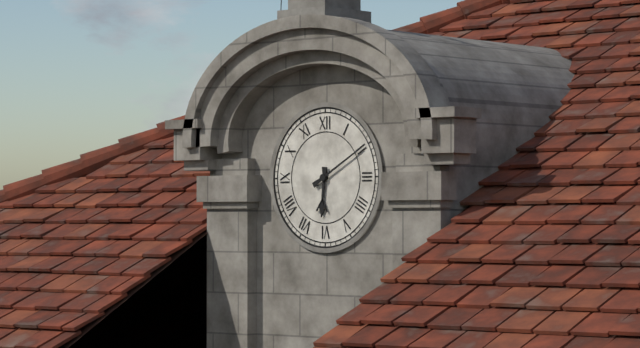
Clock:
6:10
